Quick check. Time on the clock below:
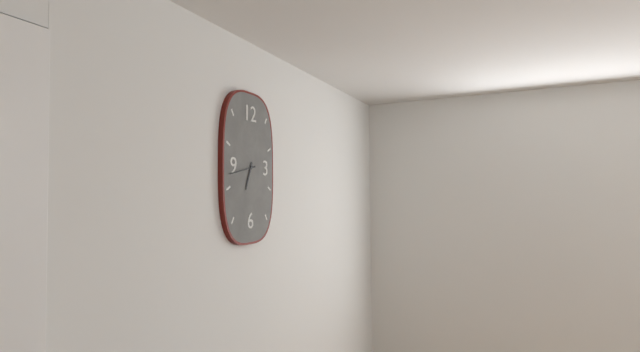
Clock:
6:43
